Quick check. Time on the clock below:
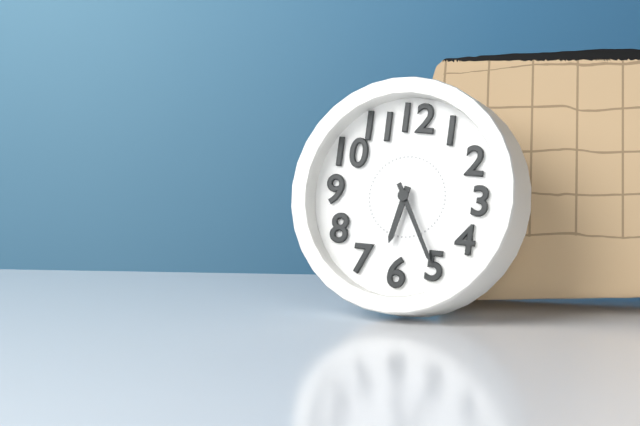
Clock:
6:25
